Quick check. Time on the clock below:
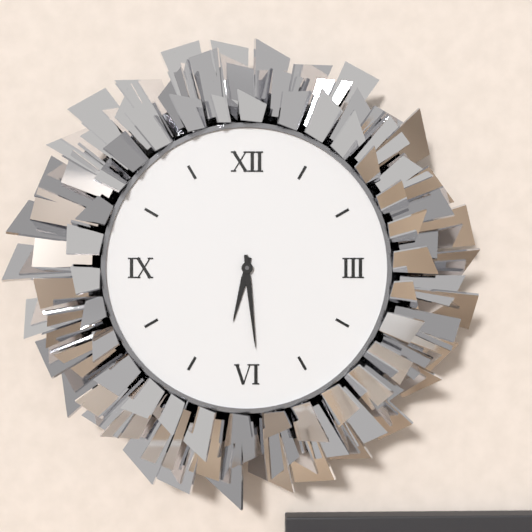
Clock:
6:29
